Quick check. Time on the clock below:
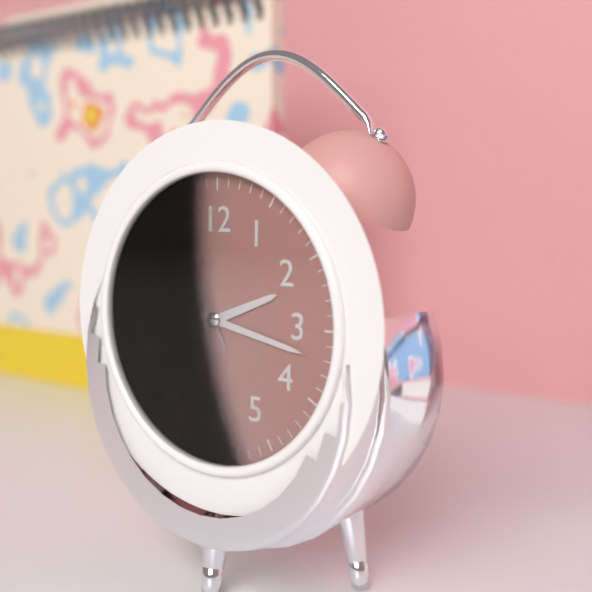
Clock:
2:17:55
